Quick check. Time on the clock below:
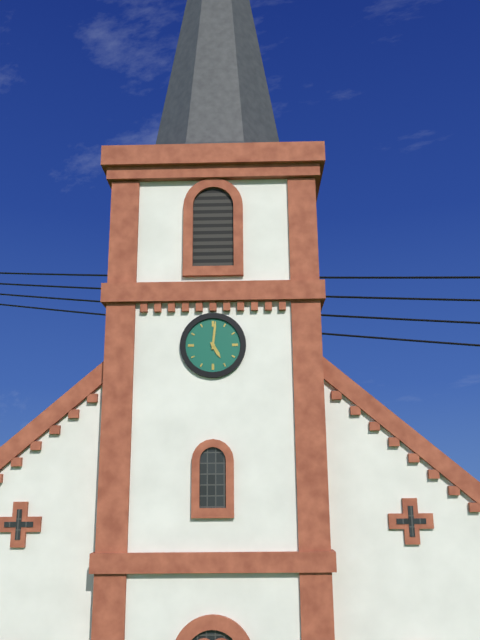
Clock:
5:01
